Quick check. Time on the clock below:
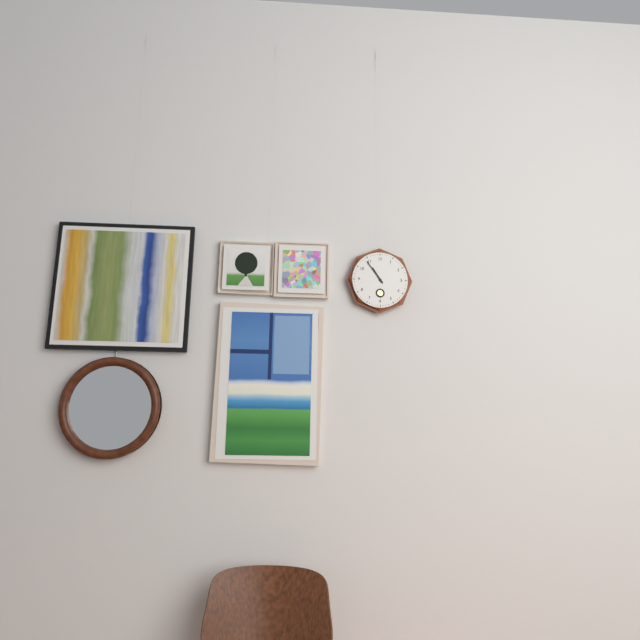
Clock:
10:54
